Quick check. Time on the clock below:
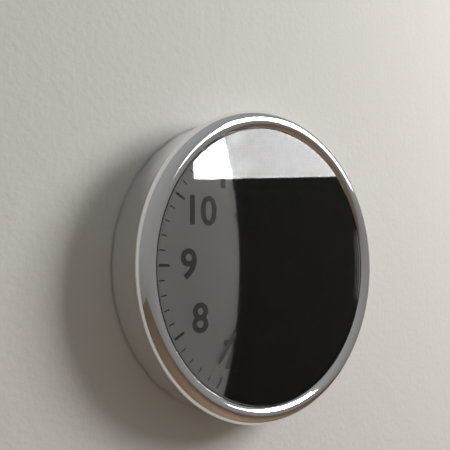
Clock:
10:36
